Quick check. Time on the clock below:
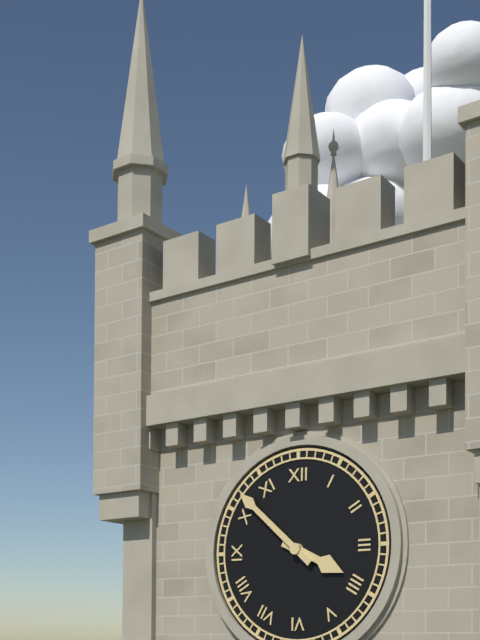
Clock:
3:52
